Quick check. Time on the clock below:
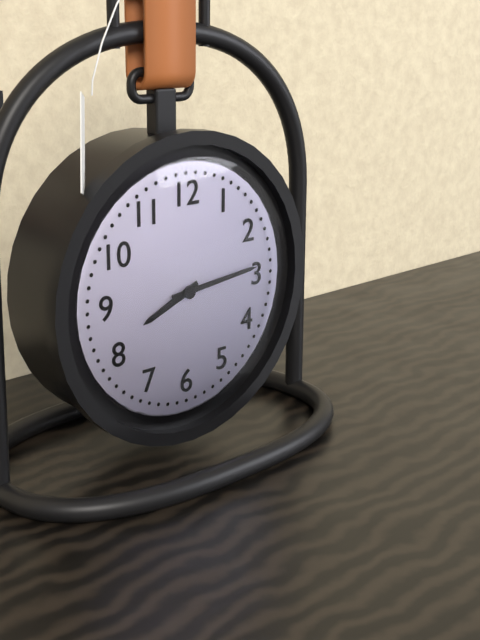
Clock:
8:14
